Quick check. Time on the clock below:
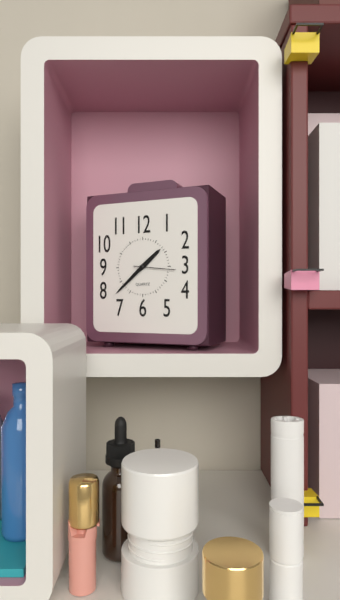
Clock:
1:38
